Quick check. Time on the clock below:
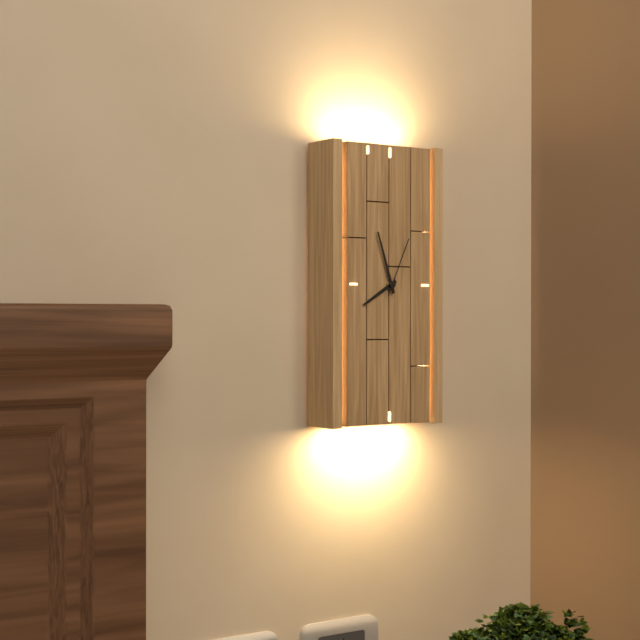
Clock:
7:57:04
